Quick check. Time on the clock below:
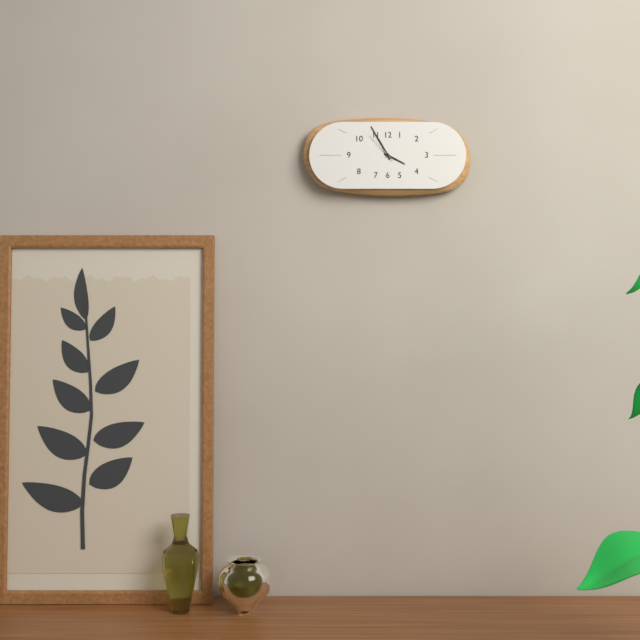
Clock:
3:55
